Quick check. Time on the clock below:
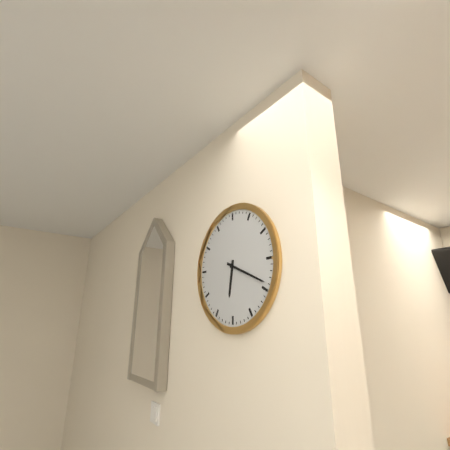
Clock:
6:19
